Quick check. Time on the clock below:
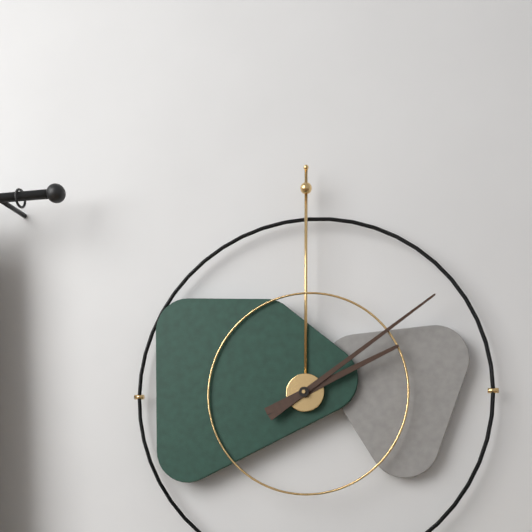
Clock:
2:09
